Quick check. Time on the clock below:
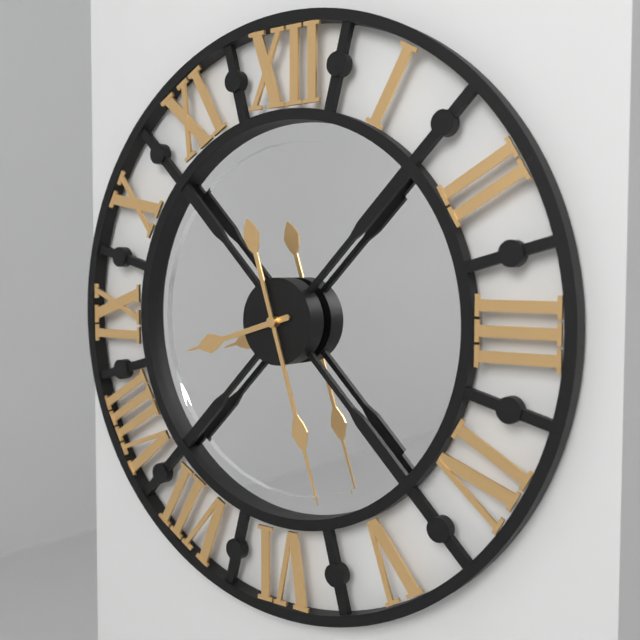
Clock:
8:27
